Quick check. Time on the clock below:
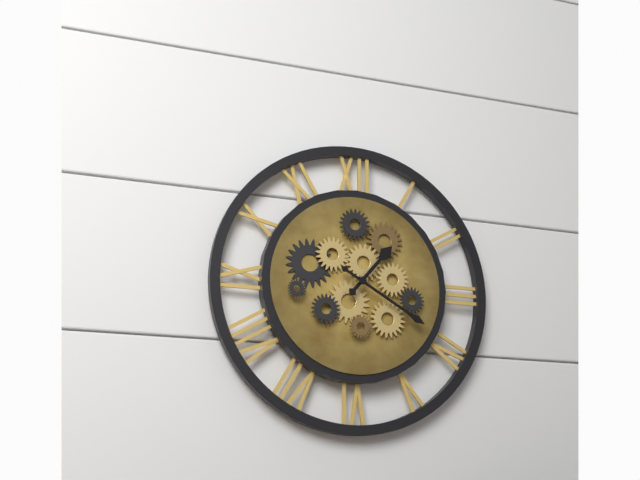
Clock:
1:20
